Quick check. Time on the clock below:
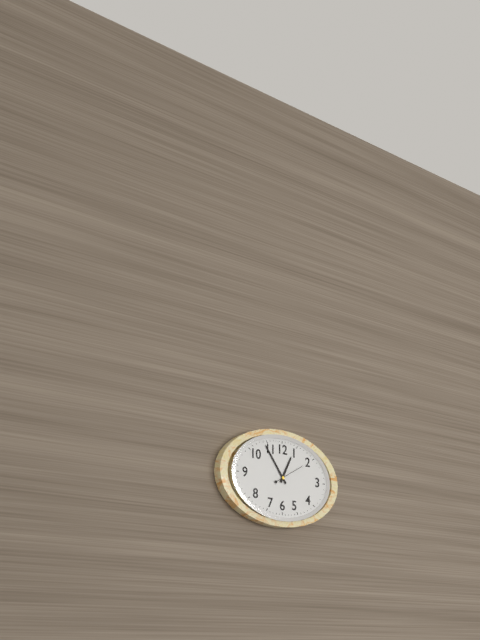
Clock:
12:54
